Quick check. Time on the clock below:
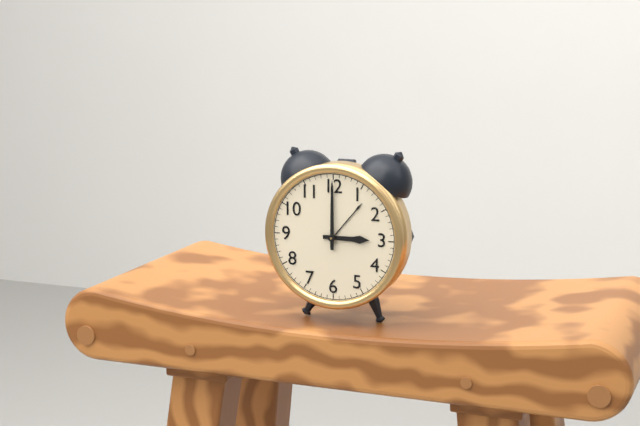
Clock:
3:00
